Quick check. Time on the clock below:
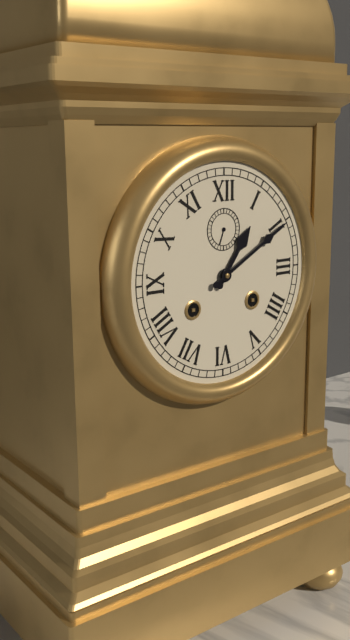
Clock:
1:10
